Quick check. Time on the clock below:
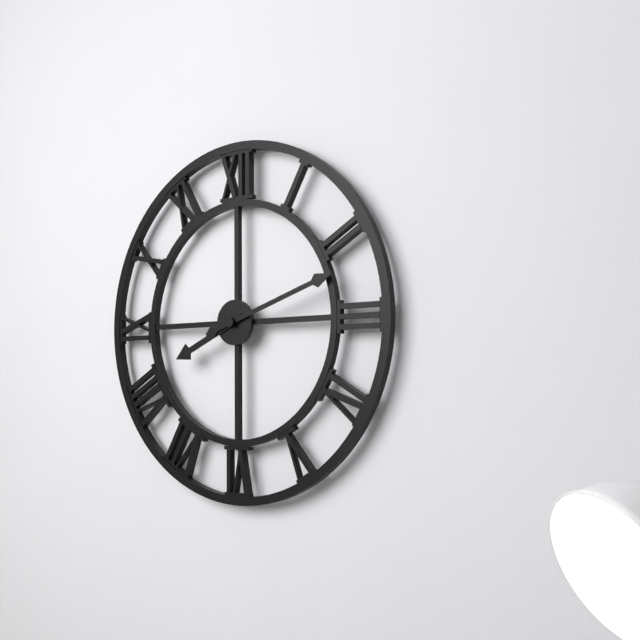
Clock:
8:12
